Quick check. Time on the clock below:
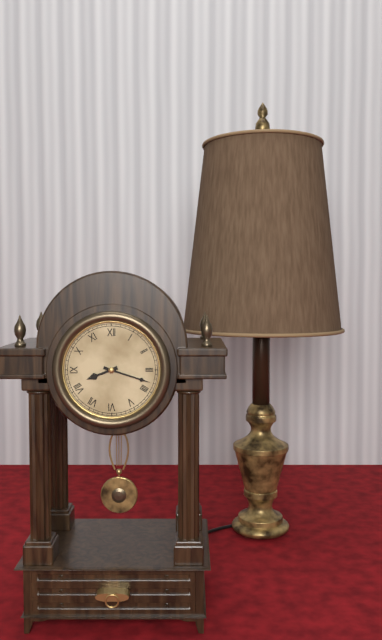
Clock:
8:18
